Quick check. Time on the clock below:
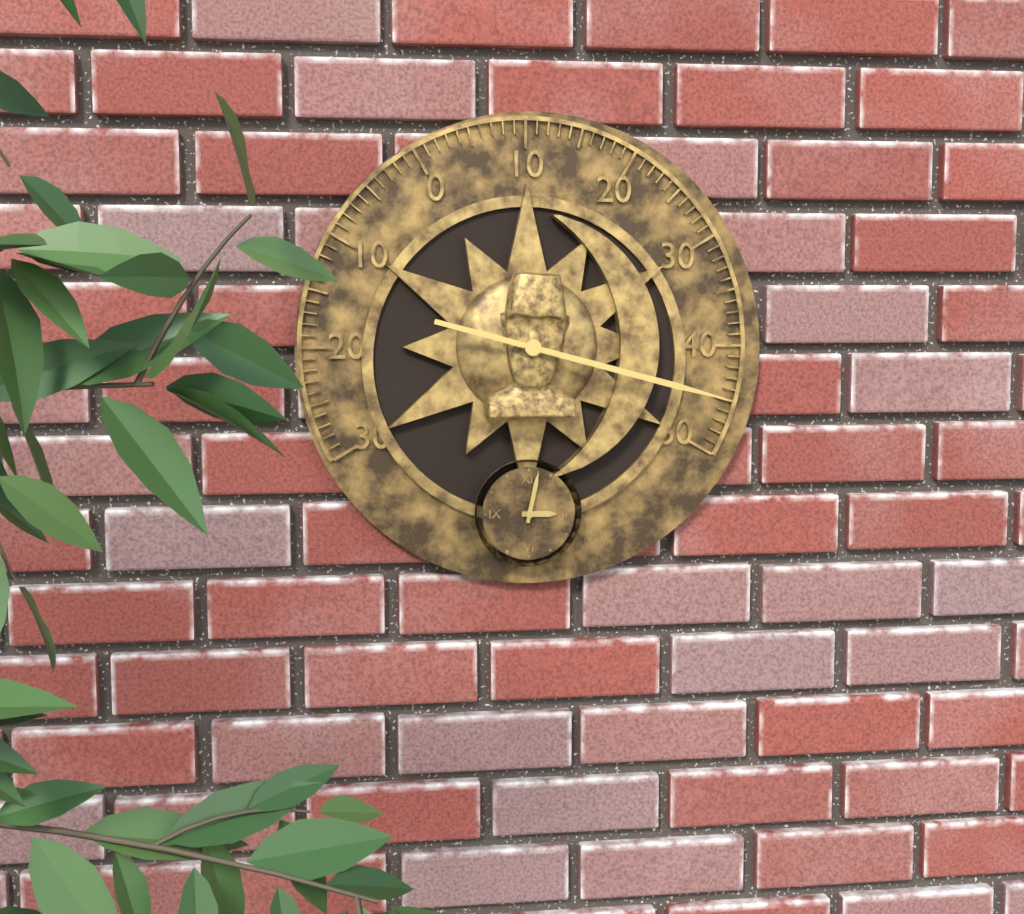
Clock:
3:02
